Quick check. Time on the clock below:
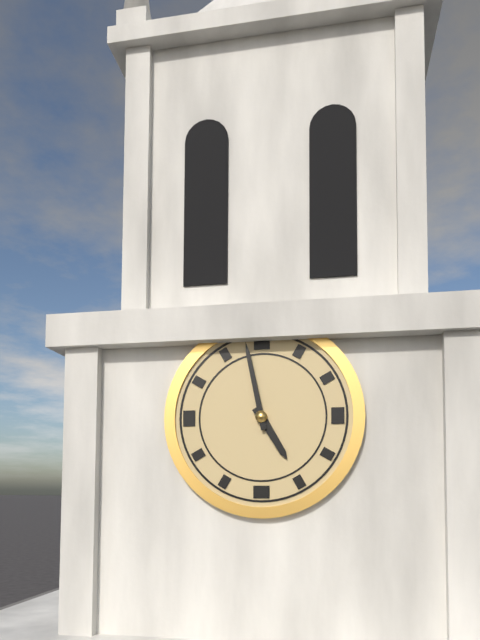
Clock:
4:58
